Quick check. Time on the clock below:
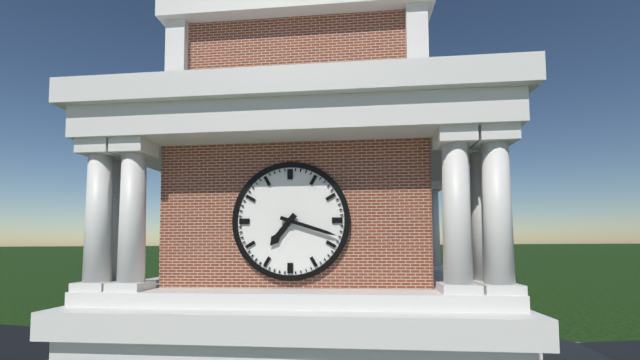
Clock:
7:18
